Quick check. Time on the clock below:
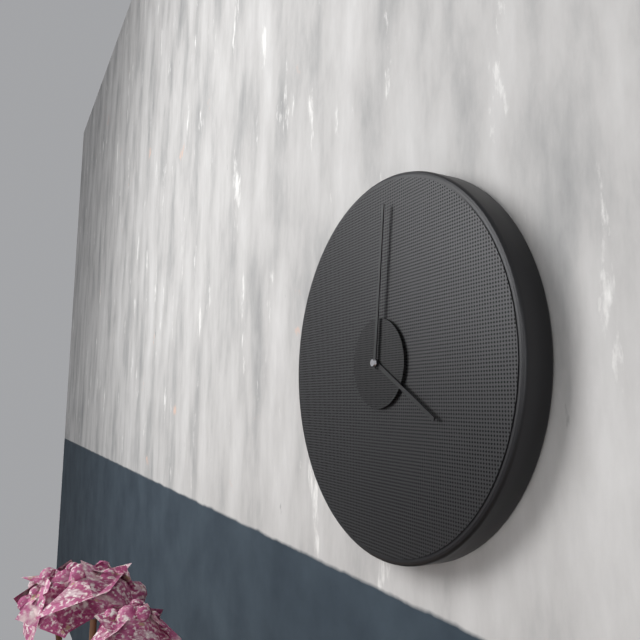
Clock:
4:01
